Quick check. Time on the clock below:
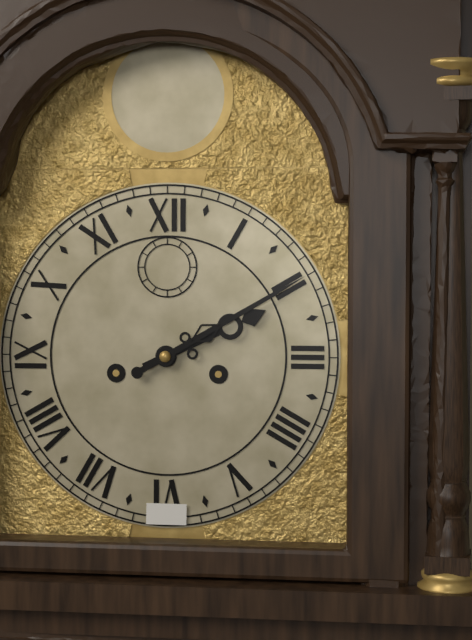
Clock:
2:10
